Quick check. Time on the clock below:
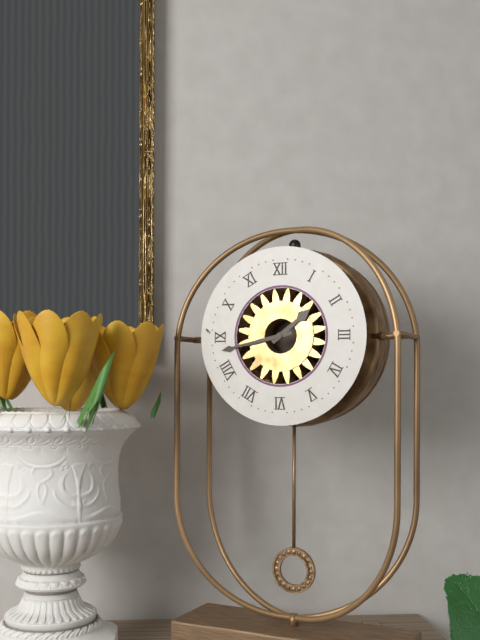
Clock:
1:43
